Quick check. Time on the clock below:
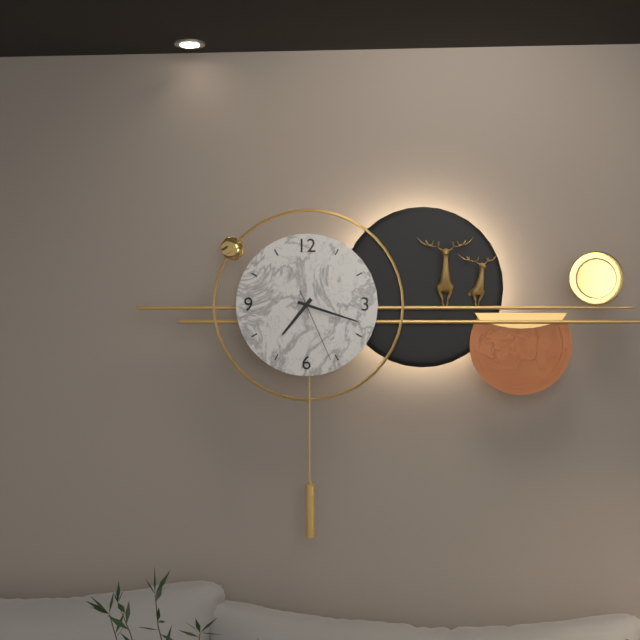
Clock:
7:18:26
